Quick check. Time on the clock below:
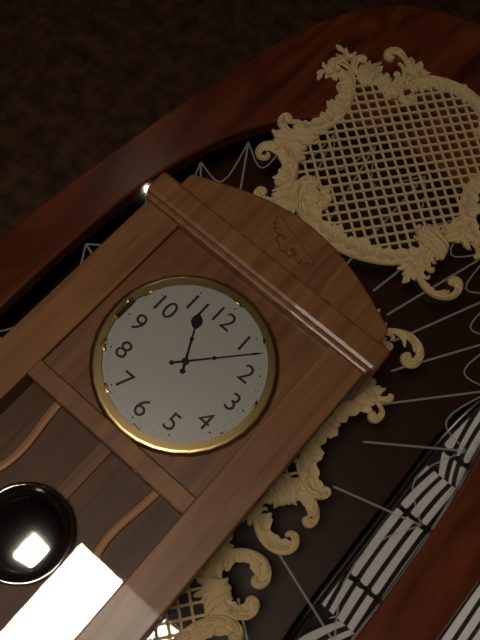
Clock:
11:07
